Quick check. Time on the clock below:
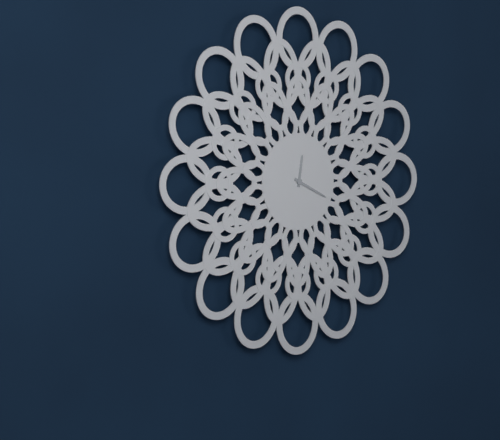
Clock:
12:19
